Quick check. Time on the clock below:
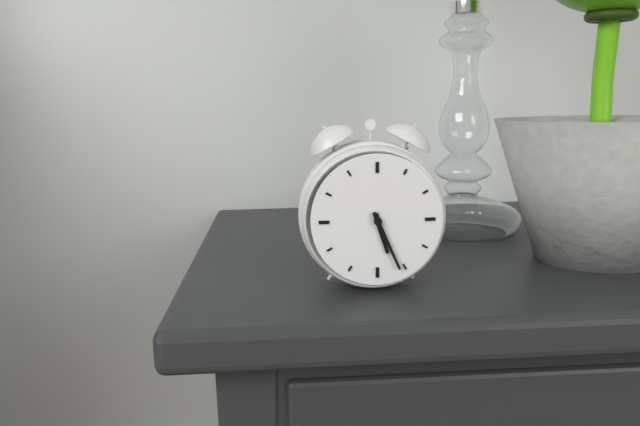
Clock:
5:26
